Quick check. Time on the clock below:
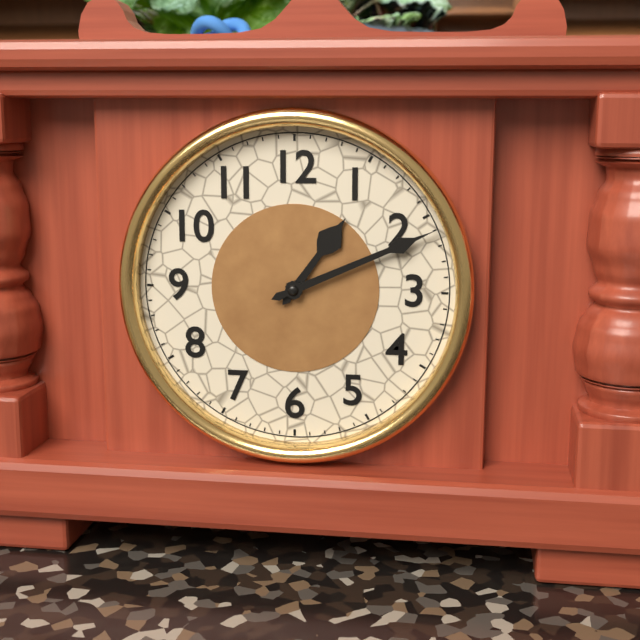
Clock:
1:11
